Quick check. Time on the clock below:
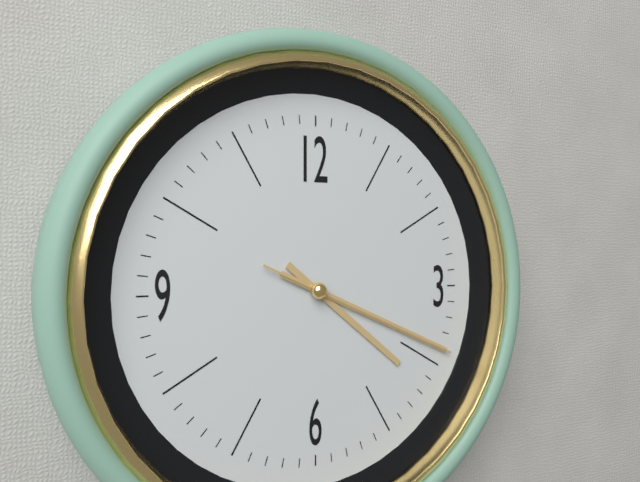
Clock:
4:19:19
